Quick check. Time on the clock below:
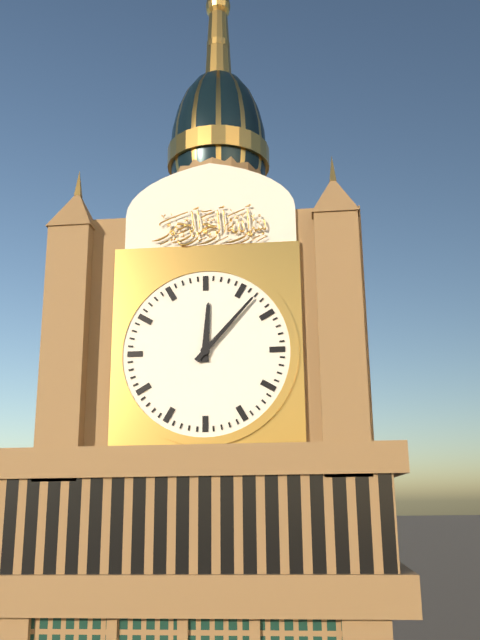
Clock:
12:07
